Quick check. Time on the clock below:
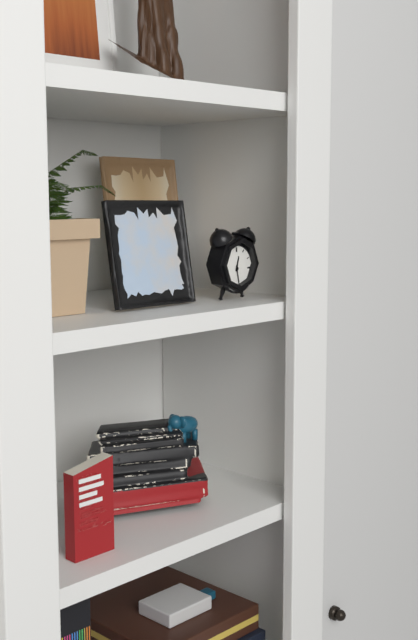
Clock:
12:28
